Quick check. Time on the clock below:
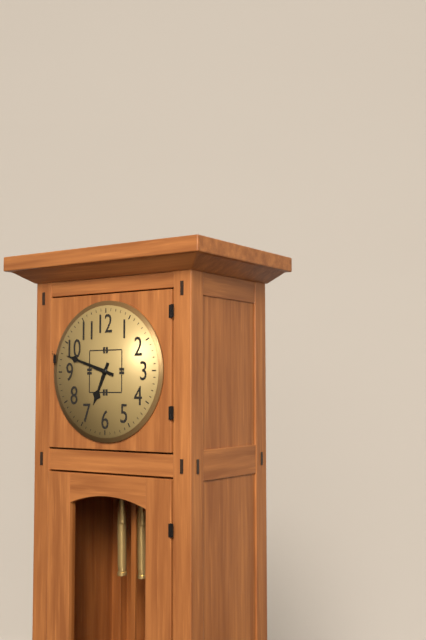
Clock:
6:48
